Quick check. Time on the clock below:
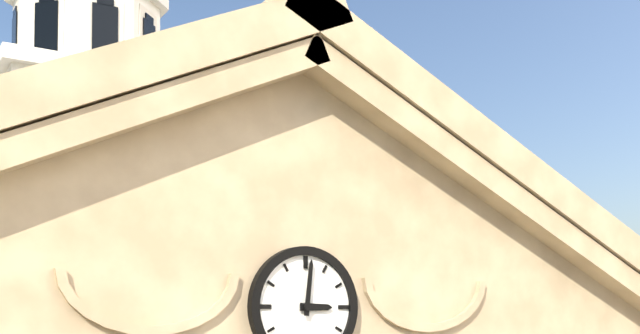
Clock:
3:01
